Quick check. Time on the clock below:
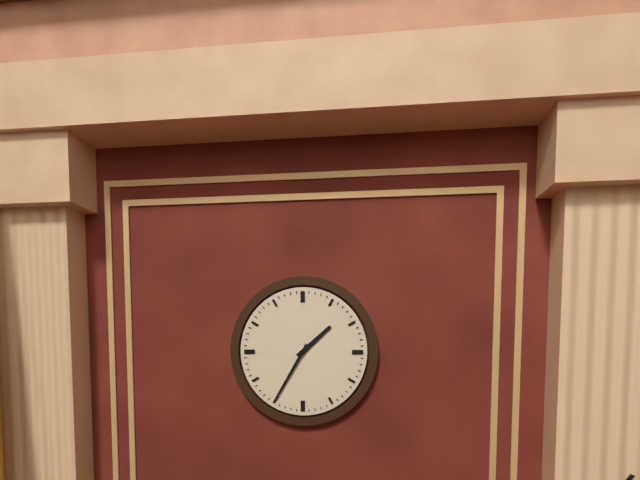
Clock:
1:35
